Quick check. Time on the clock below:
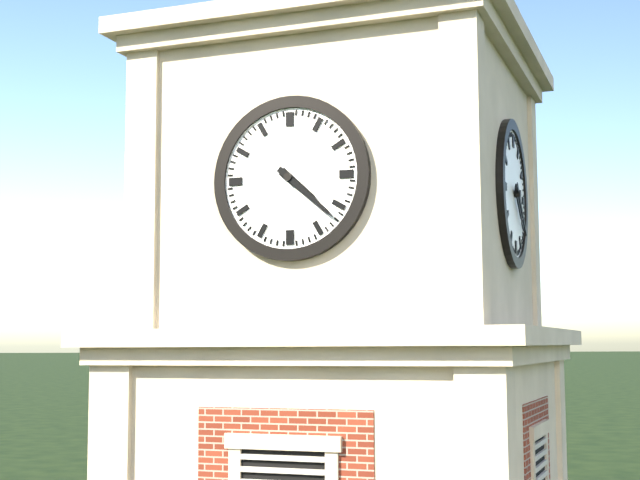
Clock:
4:22
